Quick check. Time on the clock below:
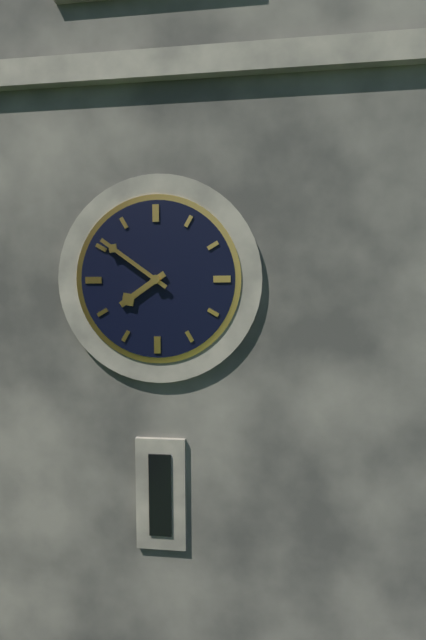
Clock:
7:51
